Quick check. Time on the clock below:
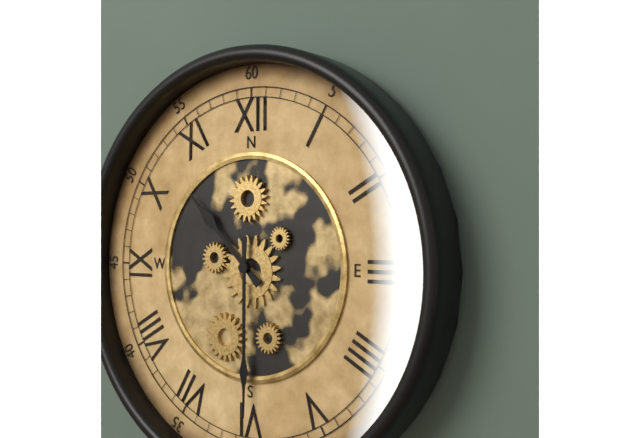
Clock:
10:30
